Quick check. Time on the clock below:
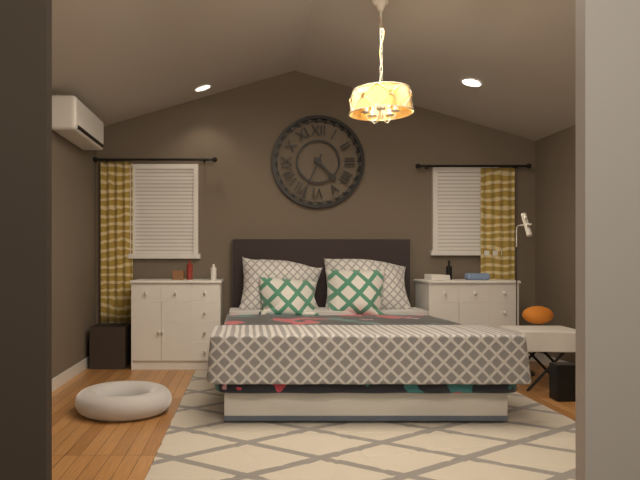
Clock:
4:34
